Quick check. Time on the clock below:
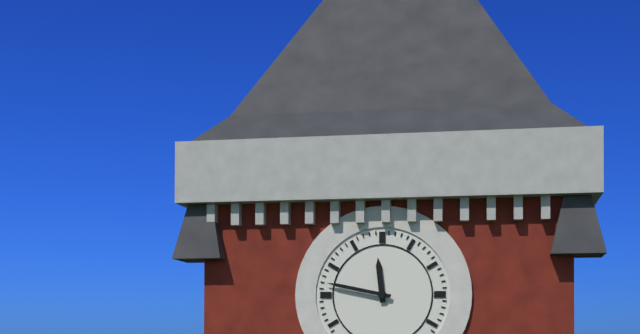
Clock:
11:47
